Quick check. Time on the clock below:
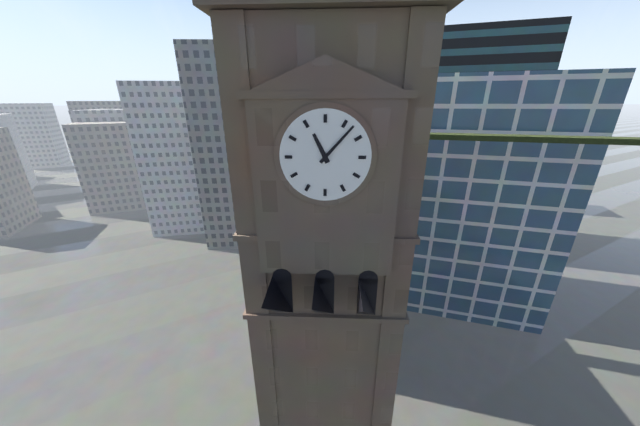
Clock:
11:07
